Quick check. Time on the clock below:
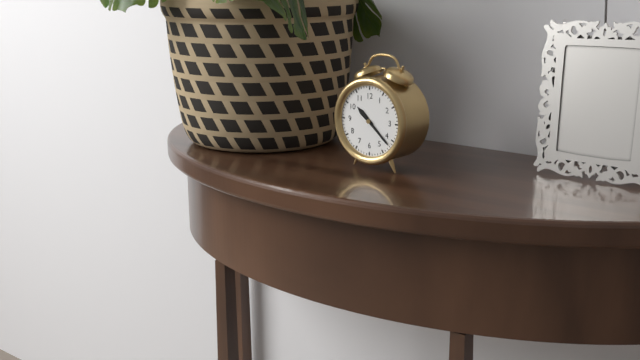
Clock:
10:22
